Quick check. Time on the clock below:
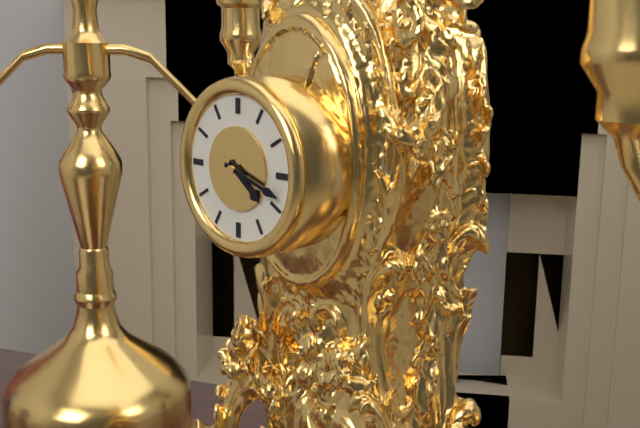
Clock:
4:18
